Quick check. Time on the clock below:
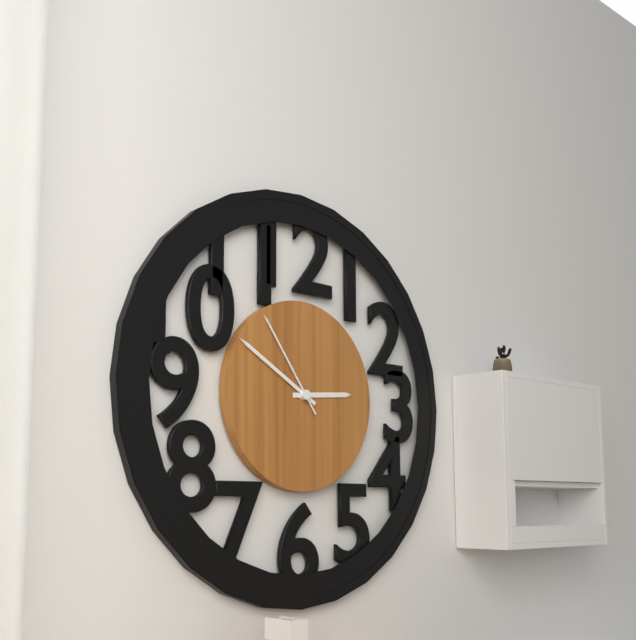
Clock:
2:50:54
